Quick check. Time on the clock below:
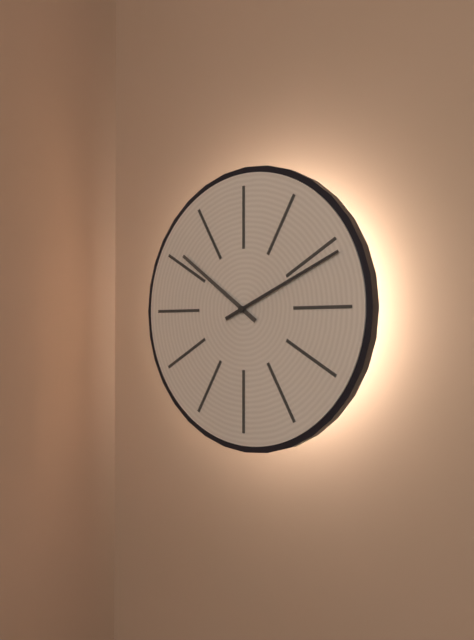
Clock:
10:11
